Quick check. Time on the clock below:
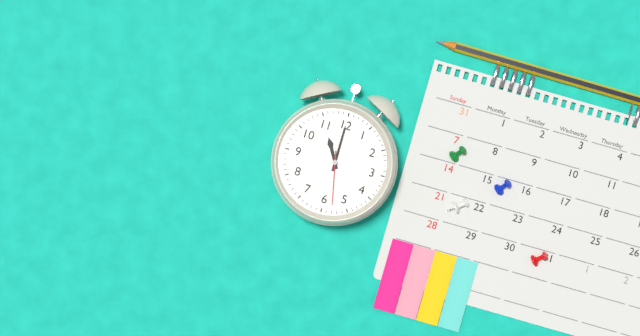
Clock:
11:00:28
